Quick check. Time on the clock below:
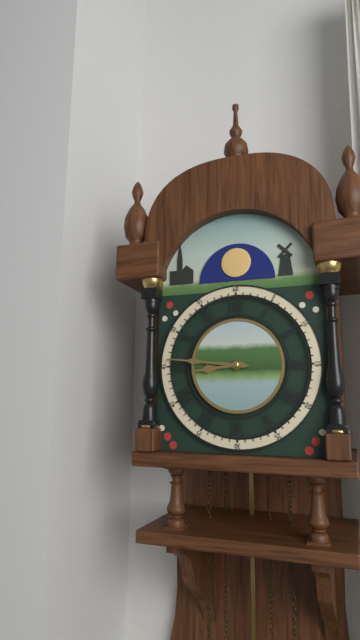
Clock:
8:46
